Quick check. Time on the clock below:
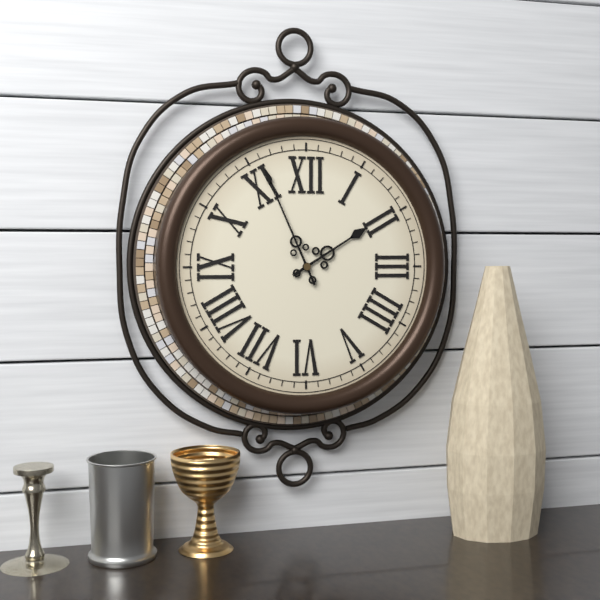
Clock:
1:56
